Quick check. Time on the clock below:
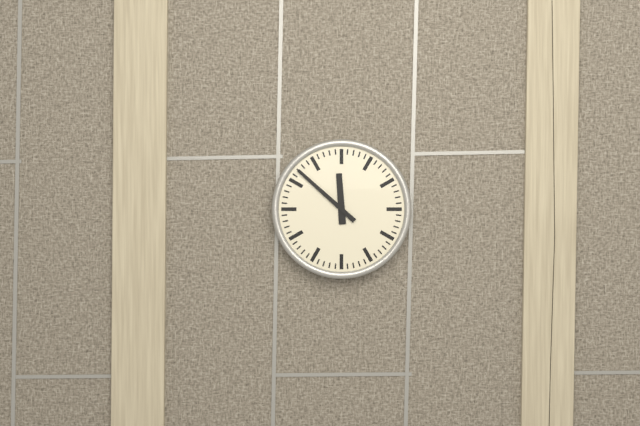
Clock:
11:52
